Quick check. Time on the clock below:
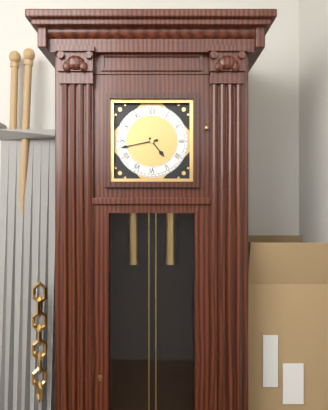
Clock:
4:43
